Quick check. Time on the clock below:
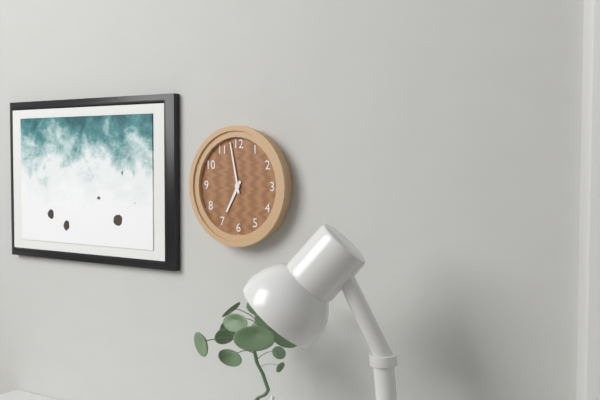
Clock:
6:58
